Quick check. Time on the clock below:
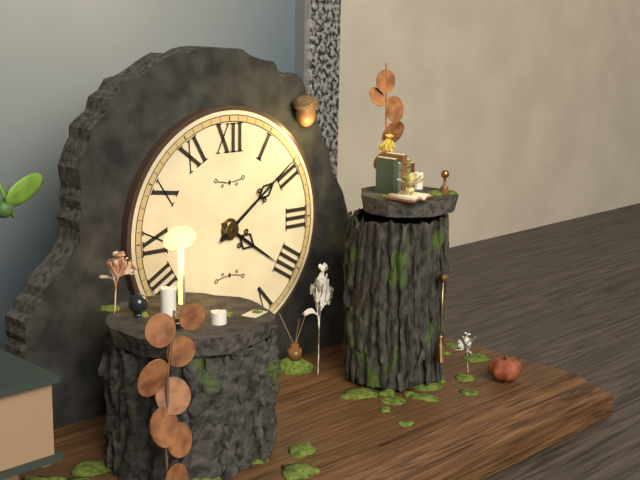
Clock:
4:09
